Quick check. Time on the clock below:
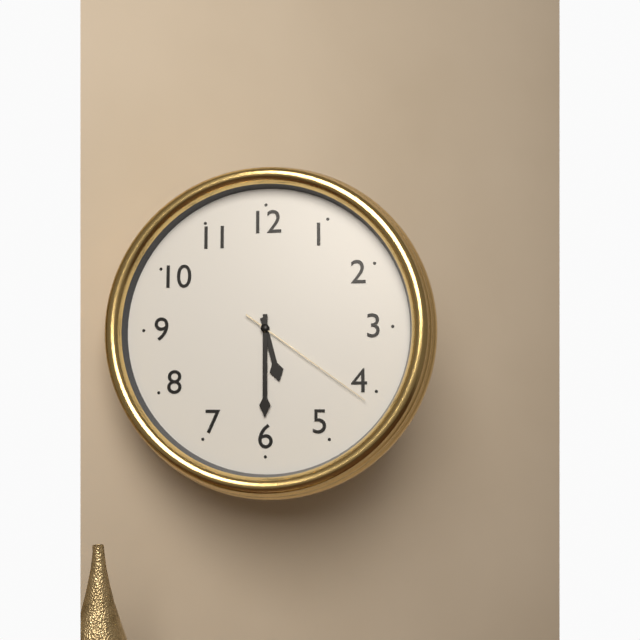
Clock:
5:30:21
